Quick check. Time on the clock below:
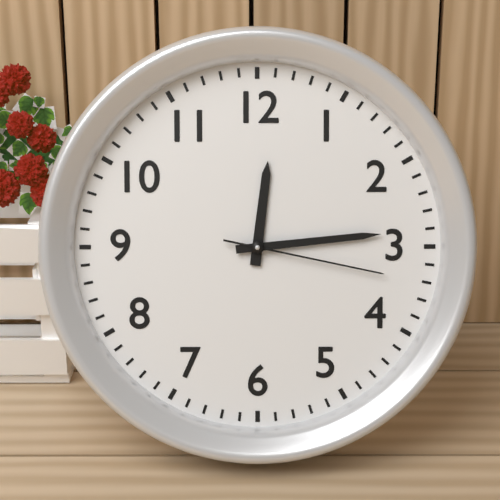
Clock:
12:14:17
